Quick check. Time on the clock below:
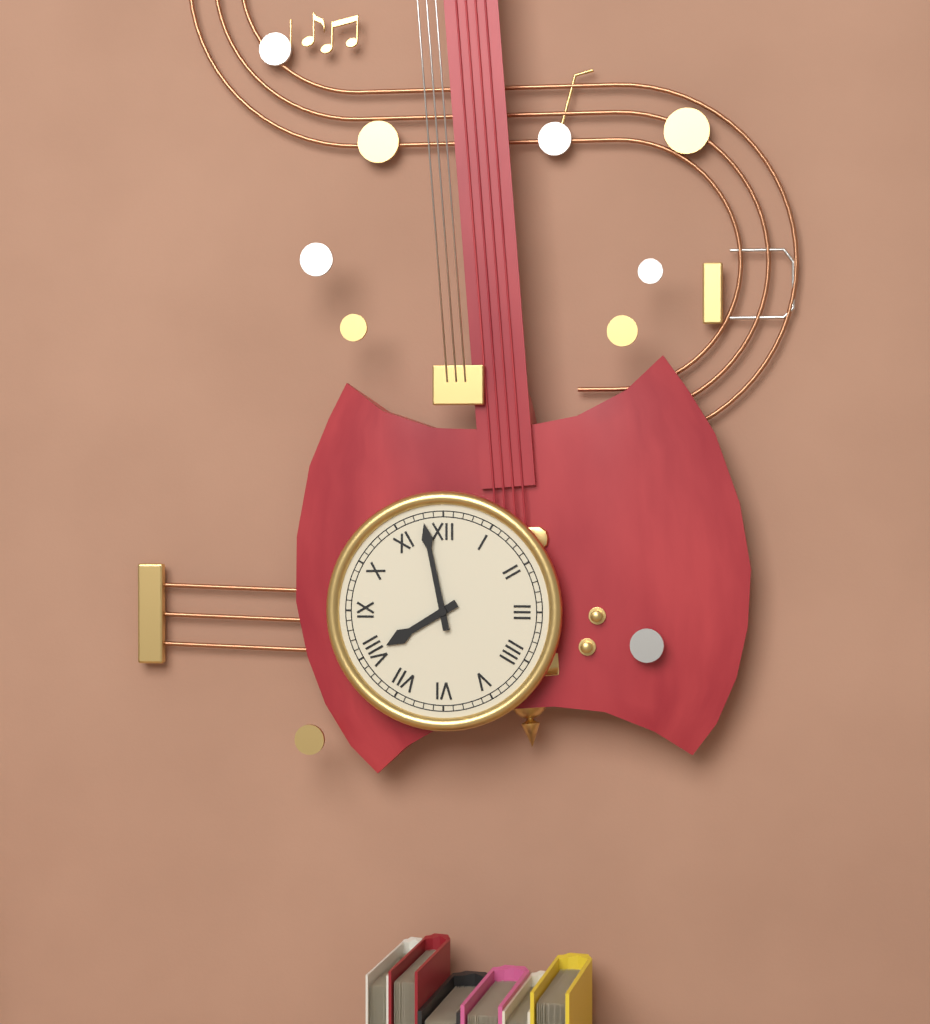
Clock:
7:58
